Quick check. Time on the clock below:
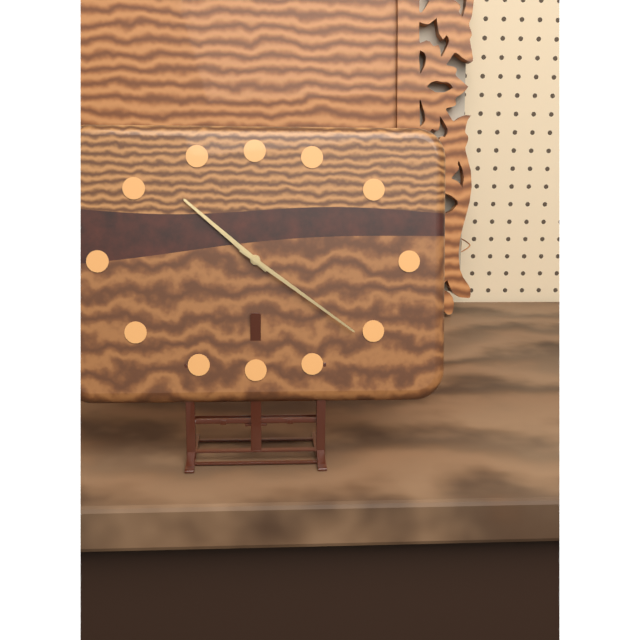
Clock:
10:21
